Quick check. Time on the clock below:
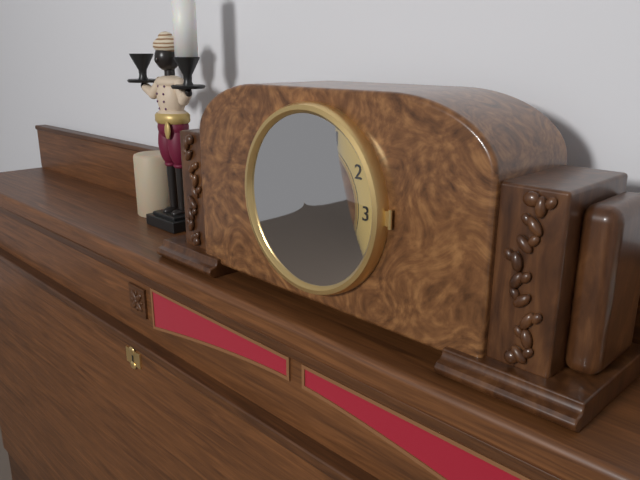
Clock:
9:56
